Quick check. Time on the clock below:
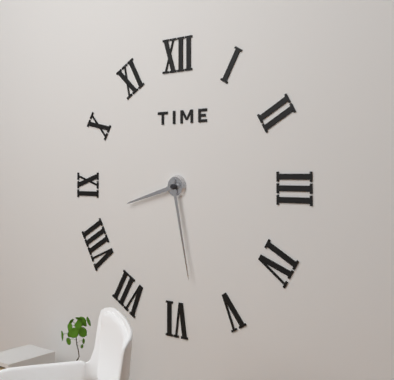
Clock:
8:28
